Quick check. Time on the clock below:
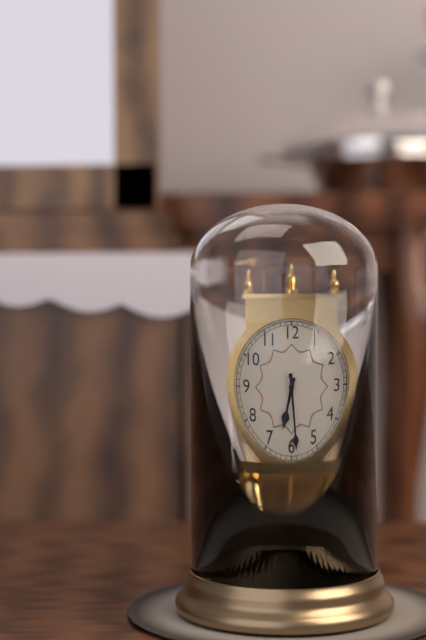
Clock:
6:29
